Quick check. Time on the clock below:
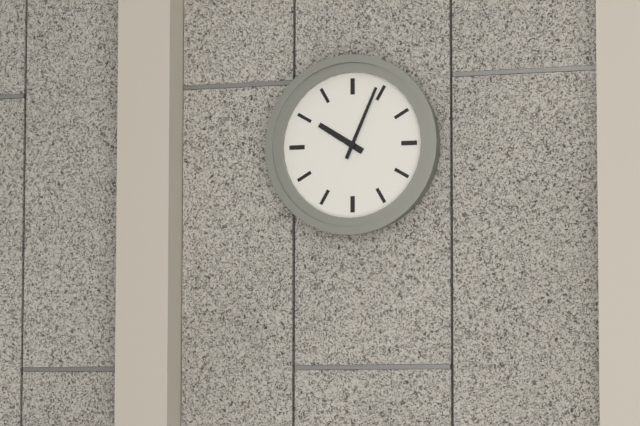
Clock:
10:04
